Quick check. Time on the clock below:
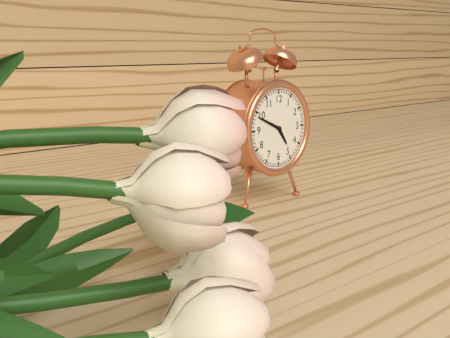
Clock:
4:49
